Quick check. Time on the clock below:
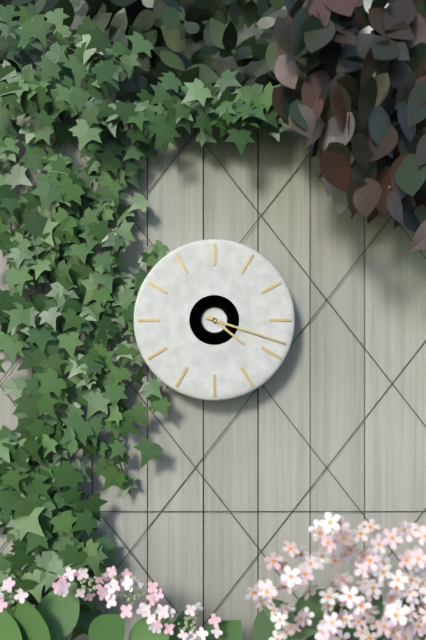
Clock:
4:18
